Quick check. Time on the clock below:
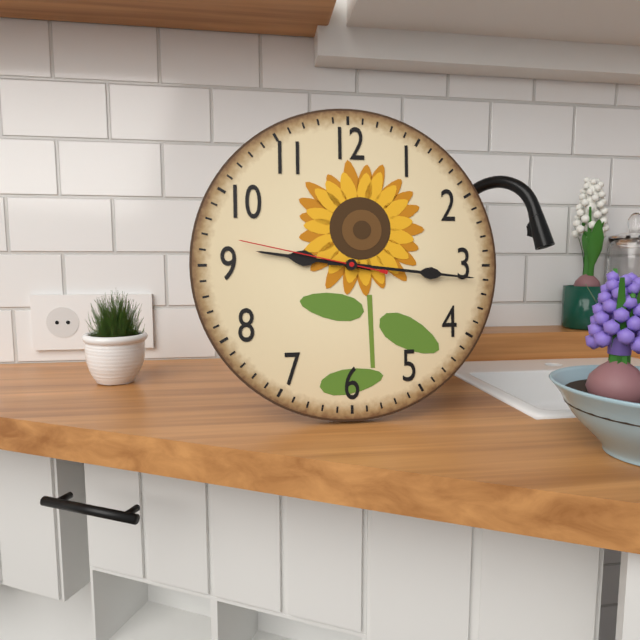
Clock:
9:16:47
